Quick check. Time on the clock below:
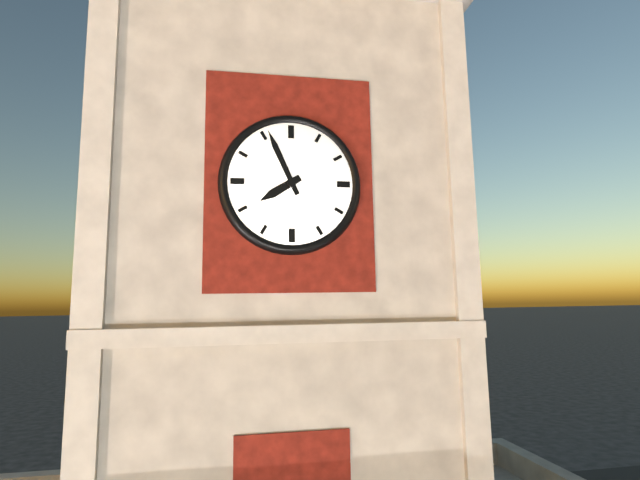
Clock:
7:56
